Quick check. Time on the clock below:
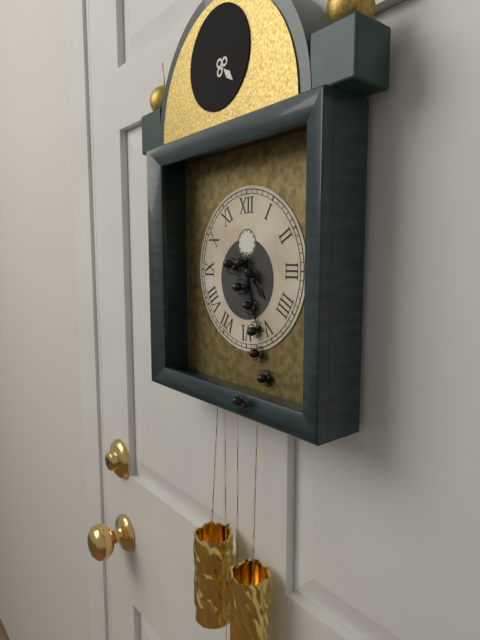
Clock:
4:27
